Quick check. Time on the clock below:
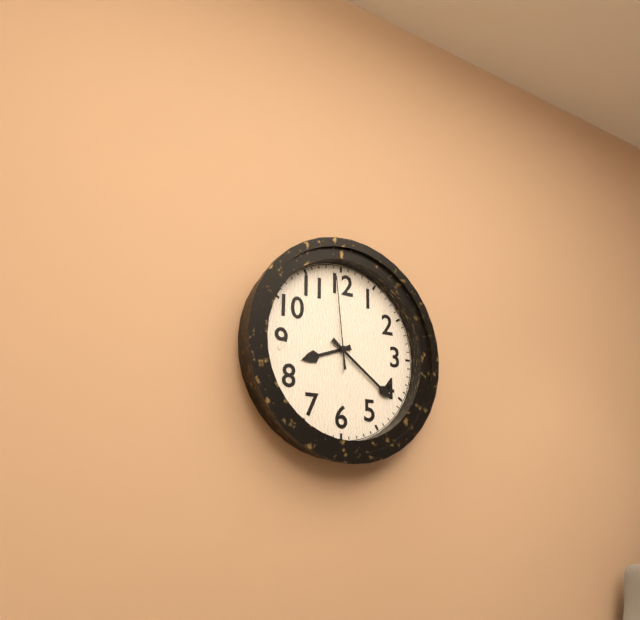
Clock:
8:21:59
